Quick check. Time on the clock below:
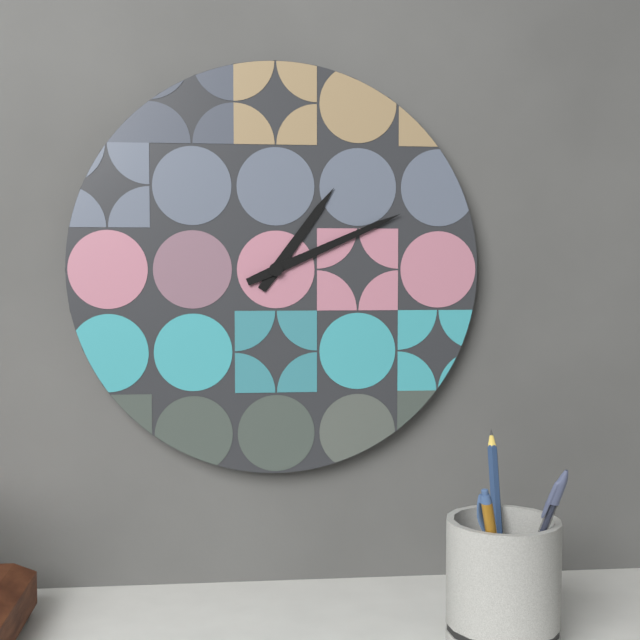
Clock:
1:11
